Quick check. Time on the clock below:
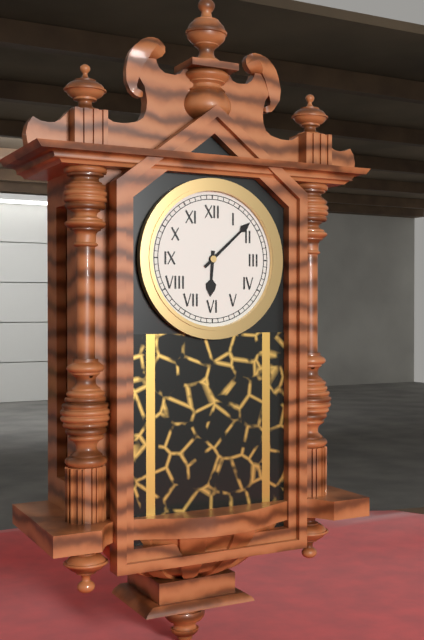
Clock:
6:08
